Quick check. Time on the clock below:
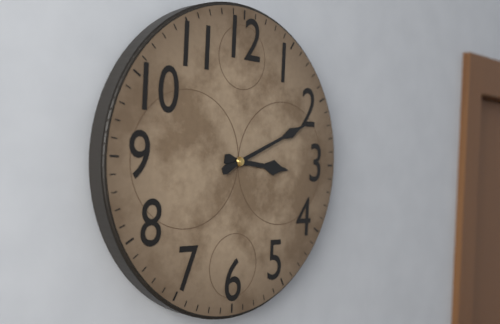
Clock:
3:11
